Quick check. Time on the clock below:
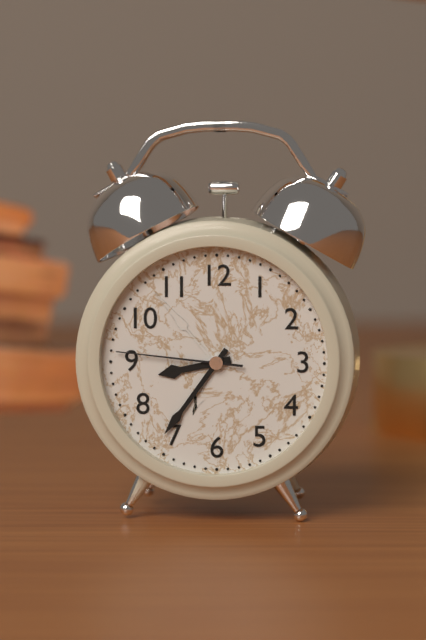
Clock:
8:36:46
